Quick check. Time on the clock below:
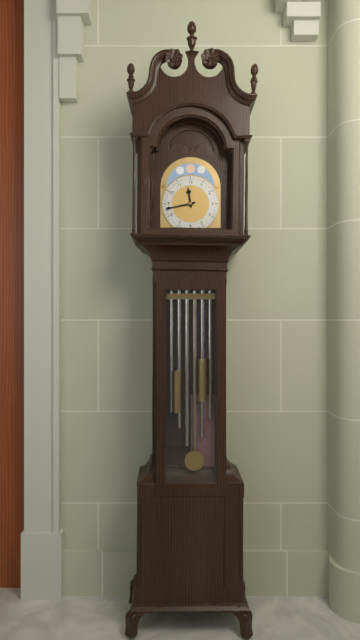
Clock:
11:43
